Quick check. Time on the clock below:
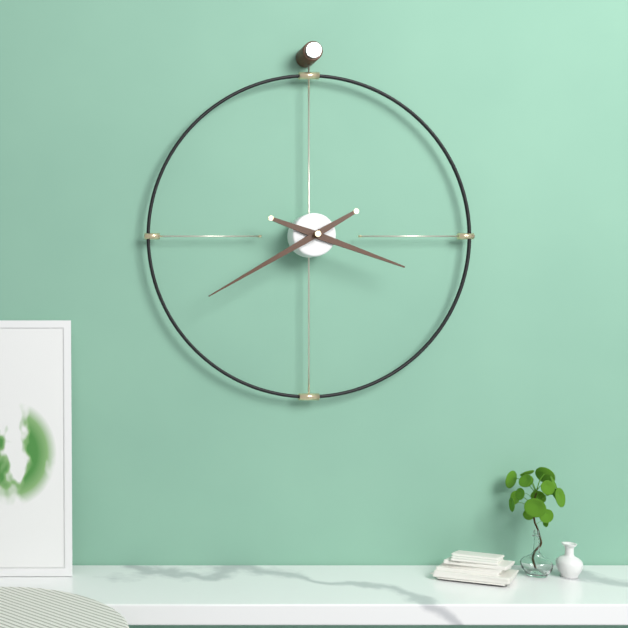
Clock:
3:40
